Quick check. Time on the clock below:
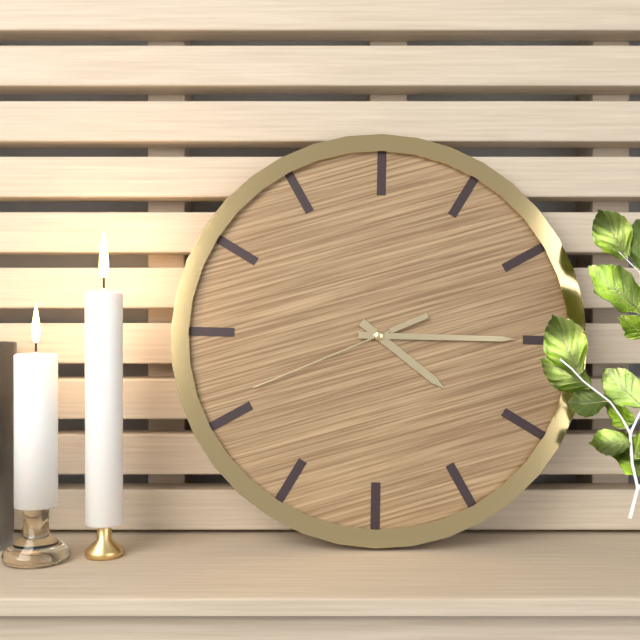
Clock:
4:15:41
